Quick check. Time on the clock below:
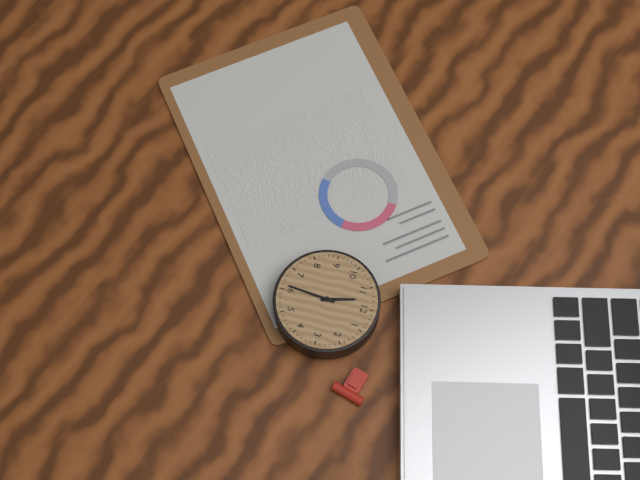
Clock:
11:31
